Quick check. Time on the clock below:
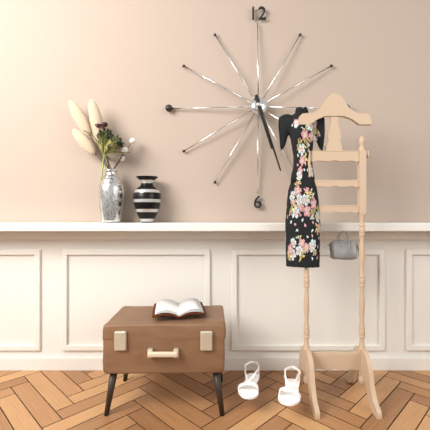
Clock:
5:27
